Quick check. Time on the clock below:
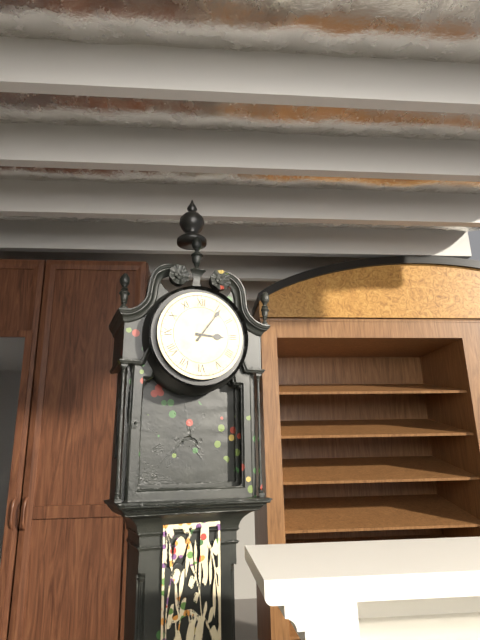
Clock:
3:06
